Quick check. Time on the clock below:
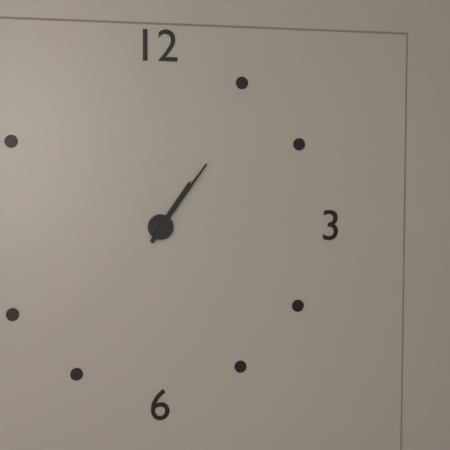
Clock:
1:06
